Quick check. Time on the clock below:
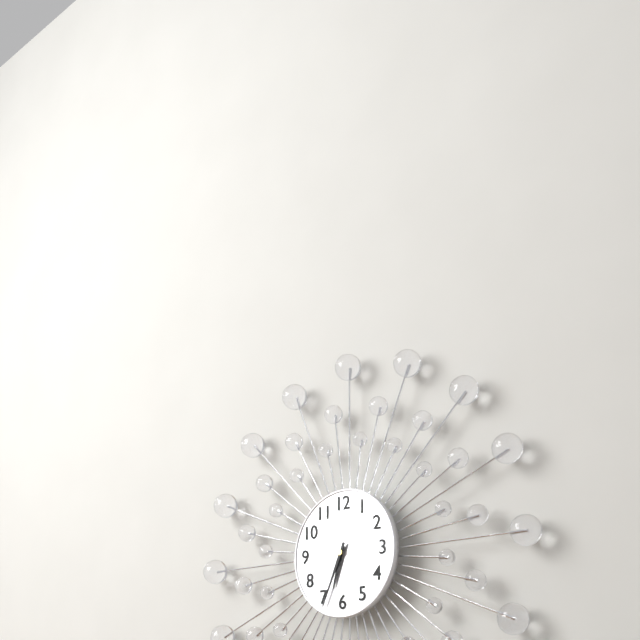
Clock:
6:34
